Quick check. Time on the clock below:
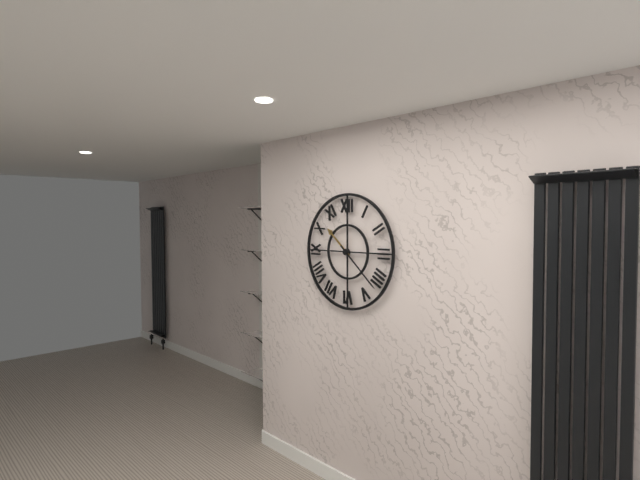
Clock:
10:22
